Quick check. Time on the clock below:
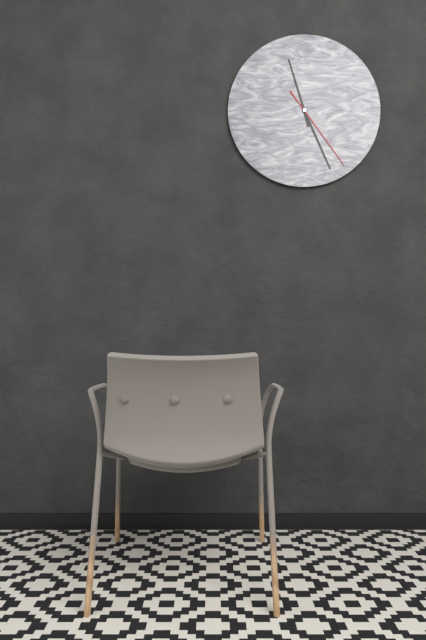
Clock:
11:26:24
